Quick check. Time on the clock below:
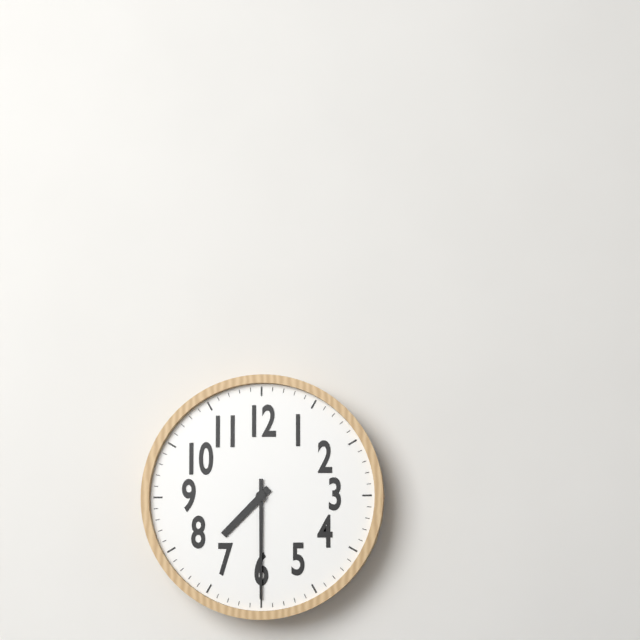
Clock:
7:30
